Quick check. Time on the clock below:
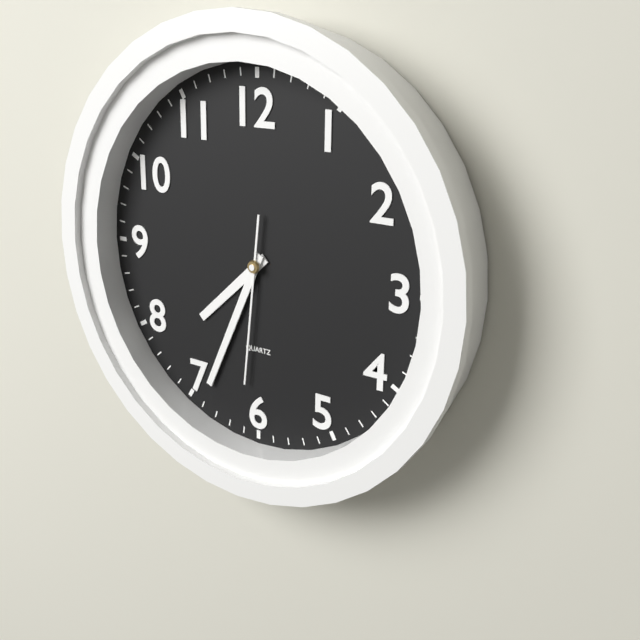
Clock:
7:34:31
